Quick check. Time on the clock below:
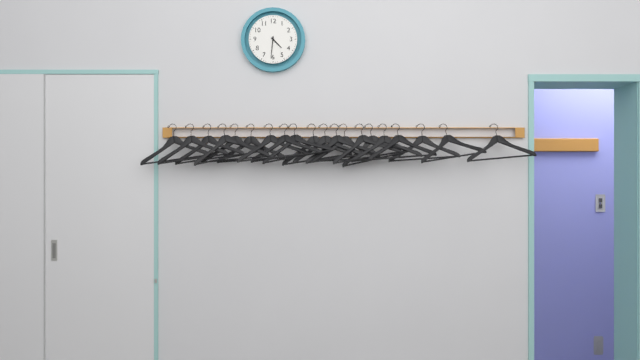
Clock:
4:31
